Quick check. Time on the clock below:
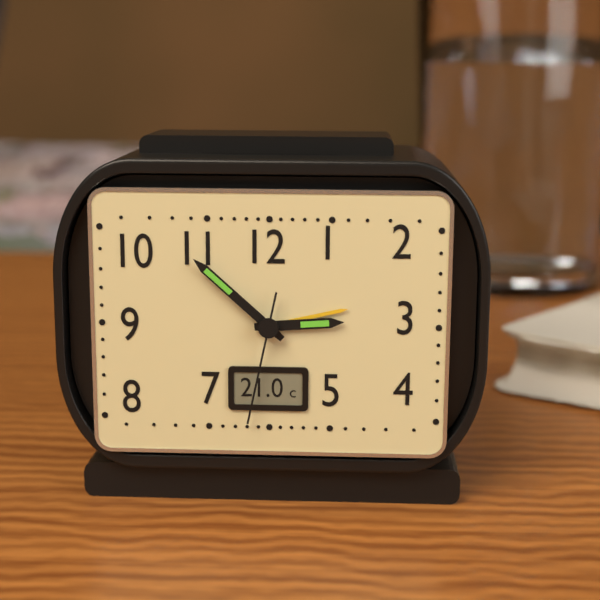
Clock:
2:52:32
